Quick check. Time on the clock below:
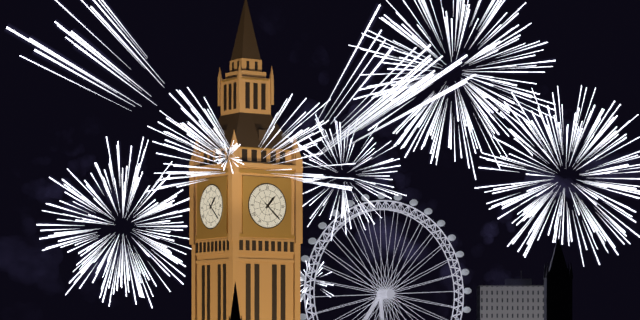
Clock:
1:22
